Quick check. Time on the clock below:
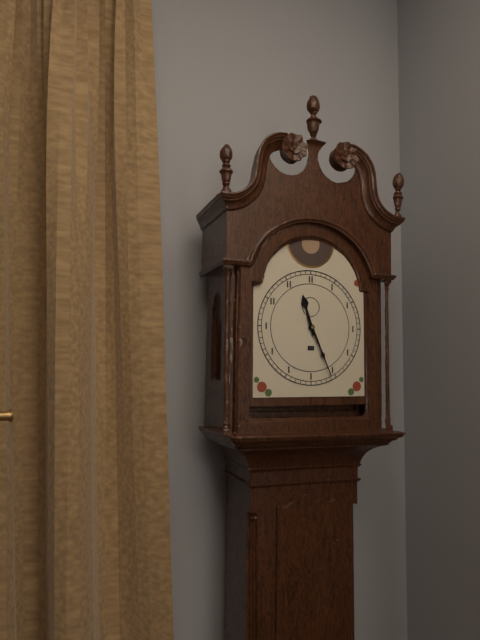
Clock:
11:26
